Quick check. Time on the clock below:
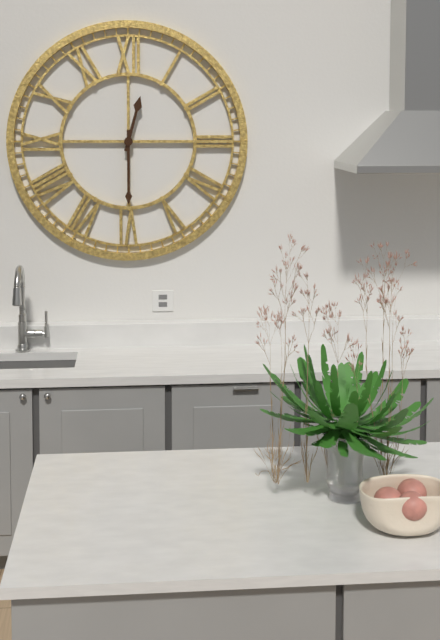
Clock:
12:30
